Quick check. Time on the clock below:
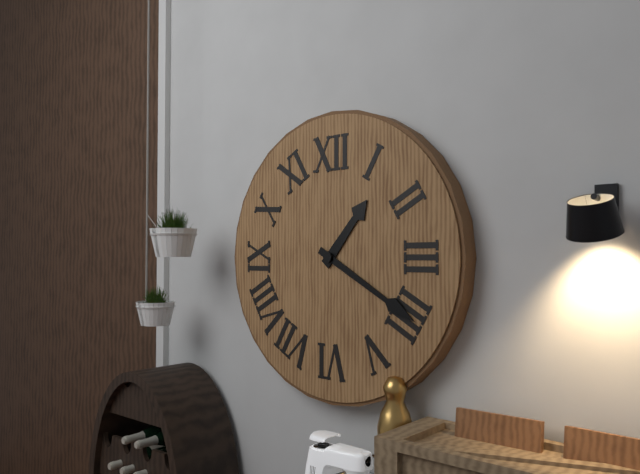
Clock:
1:20
